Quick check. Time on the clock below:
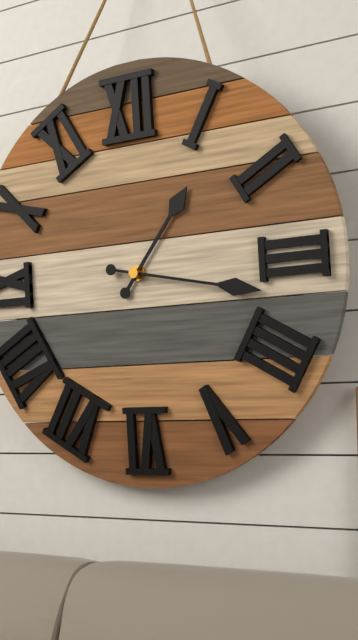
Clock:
1:17
